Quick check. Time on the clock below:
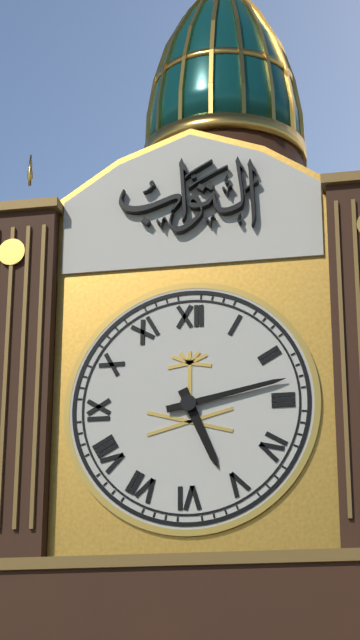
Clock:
5:13
